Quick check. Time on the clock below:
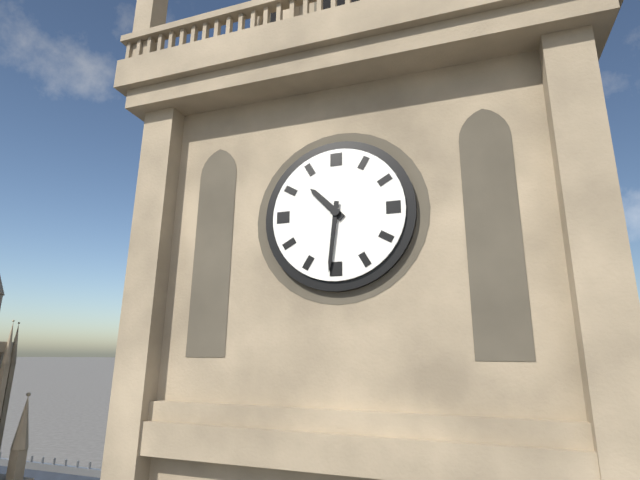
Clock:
10:31
